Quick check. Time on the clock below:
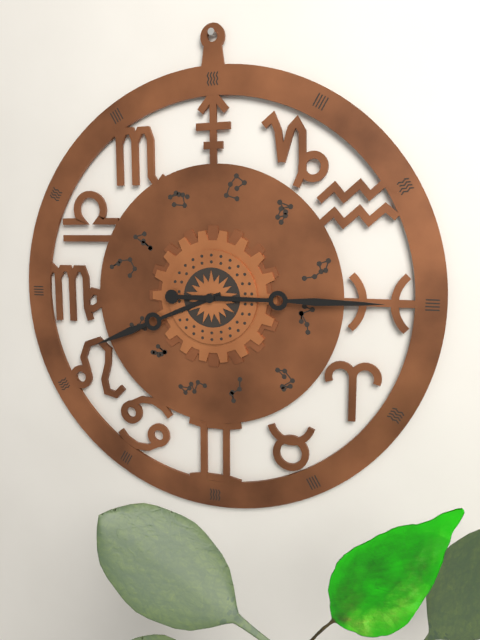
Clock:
8:15
